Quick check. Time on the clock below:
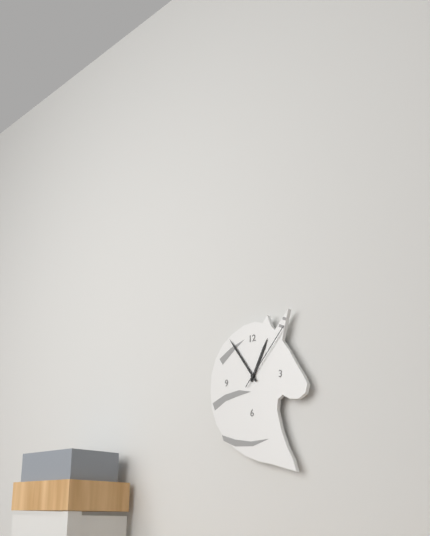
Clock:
12:54:07
